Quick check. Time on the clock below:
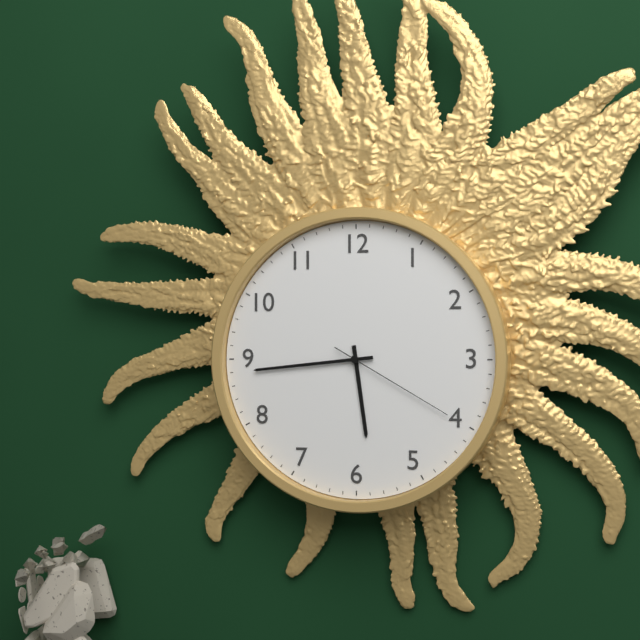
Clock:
5:44:20
